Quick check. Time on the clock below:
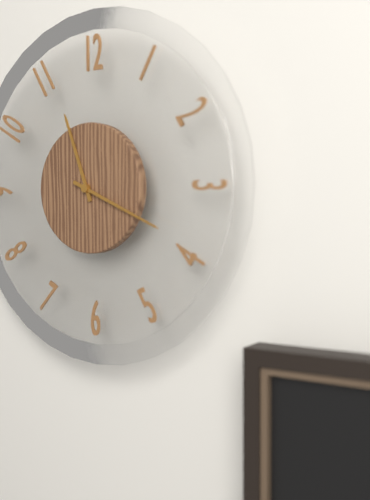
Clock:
11:19
